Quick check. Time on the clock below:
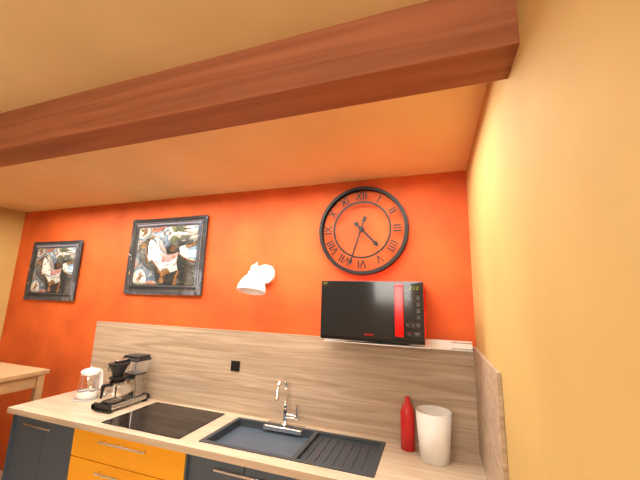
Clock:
4:33
